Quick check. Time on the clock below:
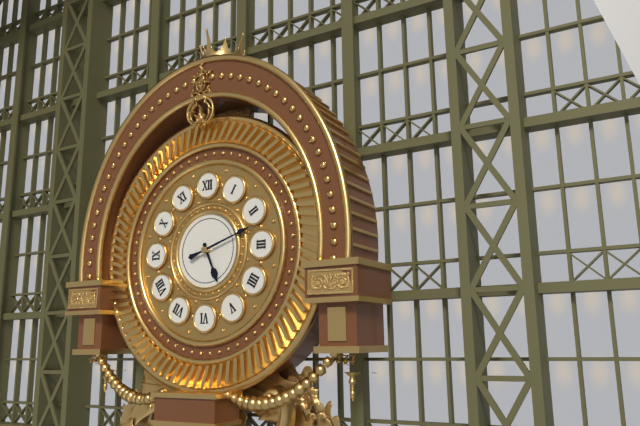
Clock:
5:12
